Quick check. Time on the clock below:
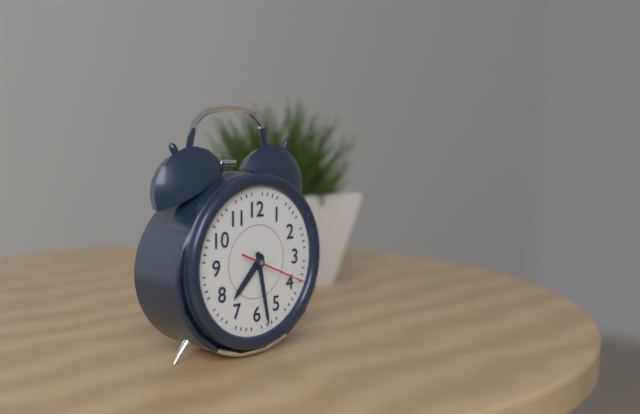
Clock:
7:28:19
